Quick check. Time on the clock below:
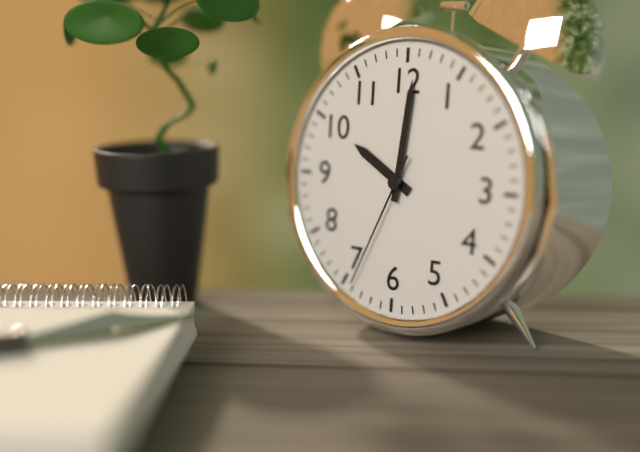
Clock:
10:01:34
